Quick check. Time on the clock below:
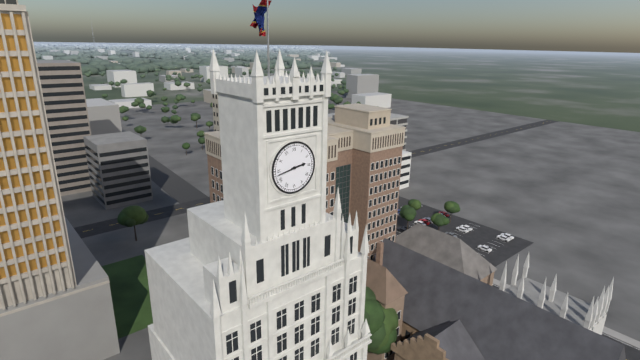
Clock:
2:43
